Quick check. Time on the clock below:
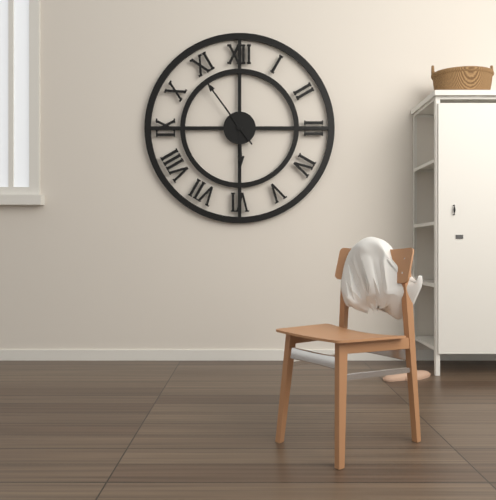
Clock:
5:54
